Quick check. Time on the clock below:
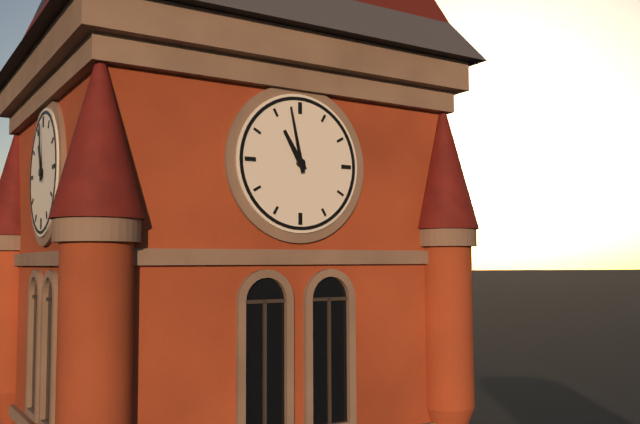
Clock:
10:58
